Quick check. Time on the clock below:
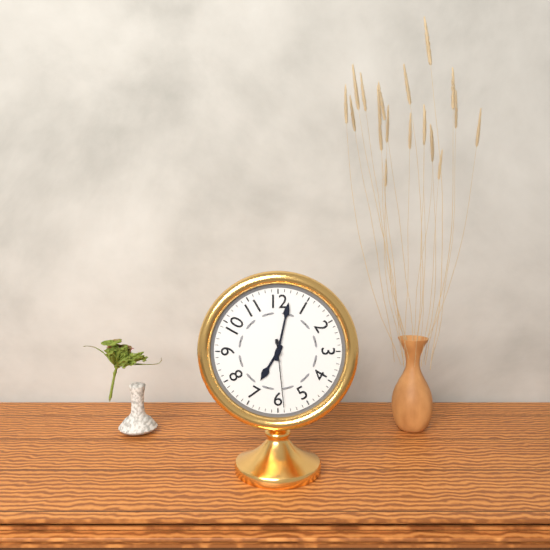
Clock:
7:02:29
